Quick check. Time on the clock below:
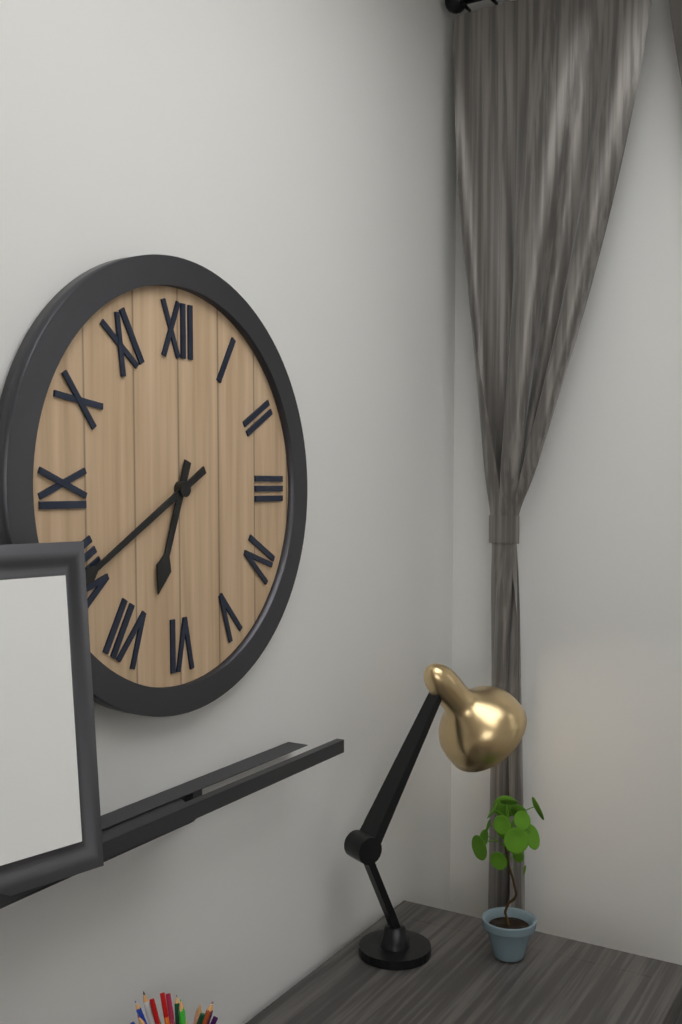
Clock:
6:40
